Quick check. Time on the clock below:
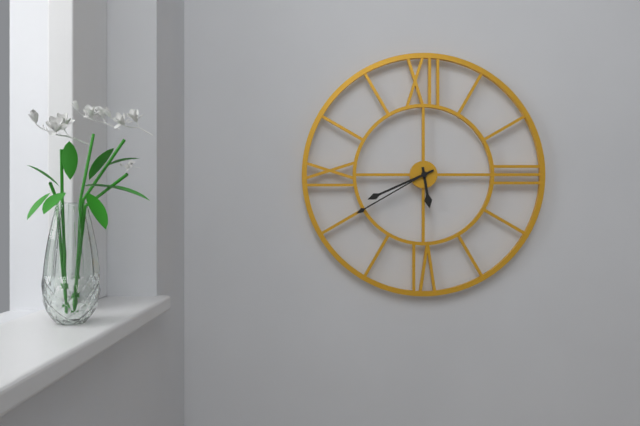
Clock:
5:41:40
